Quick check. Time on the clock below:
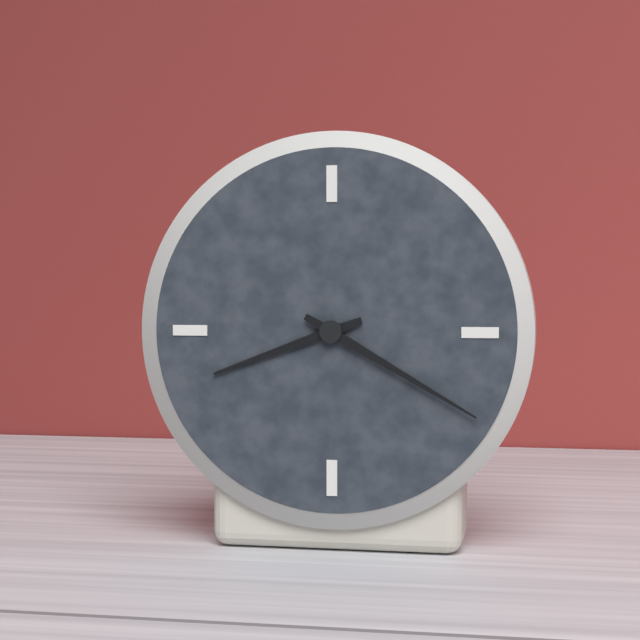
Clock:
8:20
